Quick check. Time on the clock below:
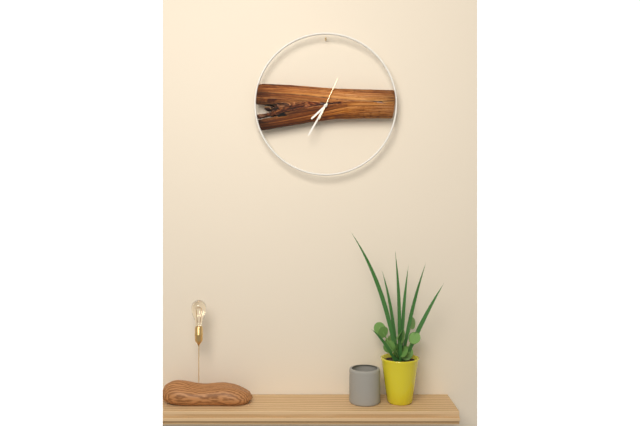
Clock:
7:35
